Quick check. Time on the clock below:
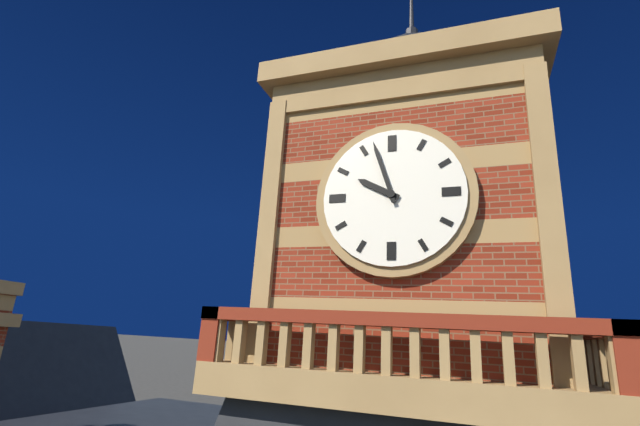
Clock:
9:57
